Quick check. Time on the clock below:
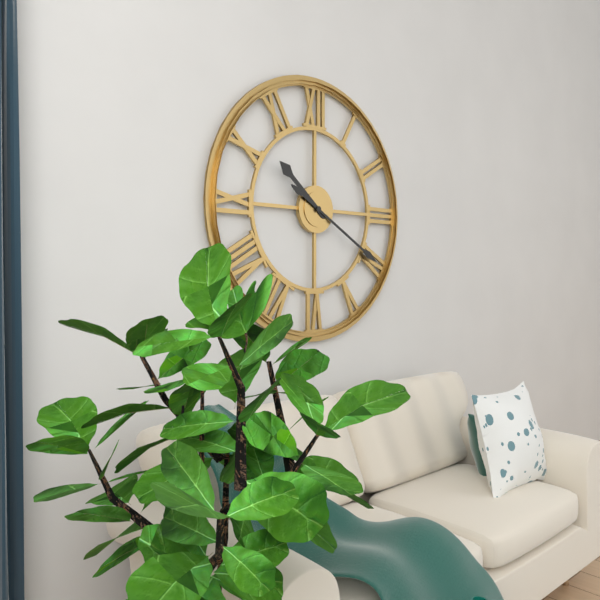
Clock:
10:20
